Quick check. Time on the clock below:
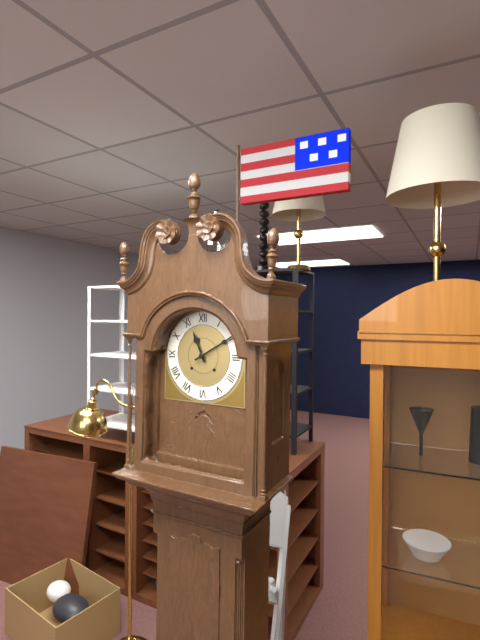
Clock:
11:10
